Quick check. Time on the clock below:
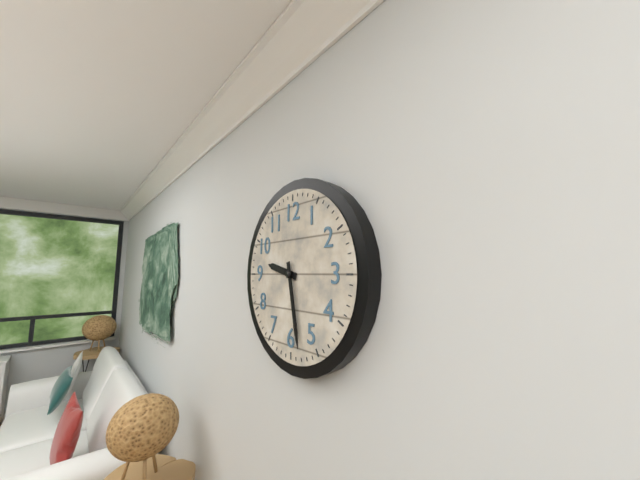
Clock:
9:28
